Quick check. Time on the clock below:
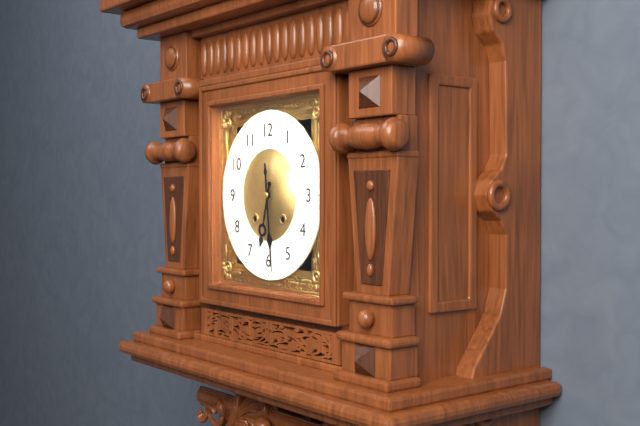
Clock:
6:29
